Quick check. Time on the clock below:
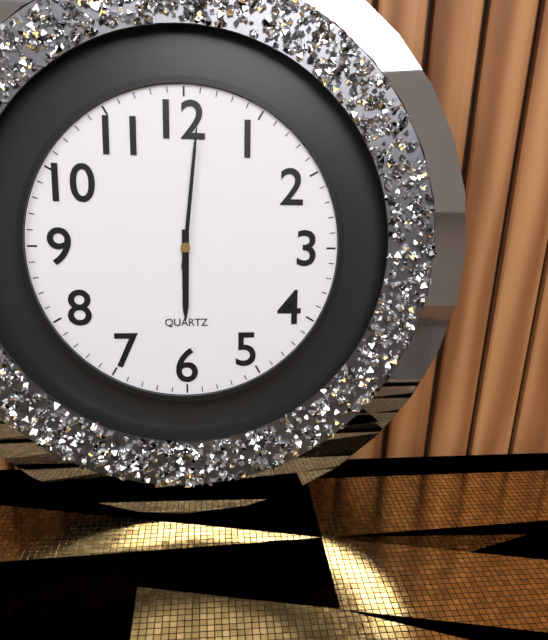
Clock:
6:01
